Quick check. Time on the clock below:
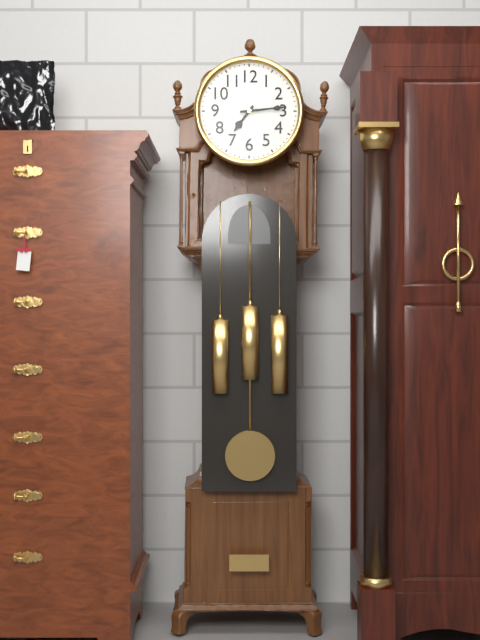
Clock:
7:14
